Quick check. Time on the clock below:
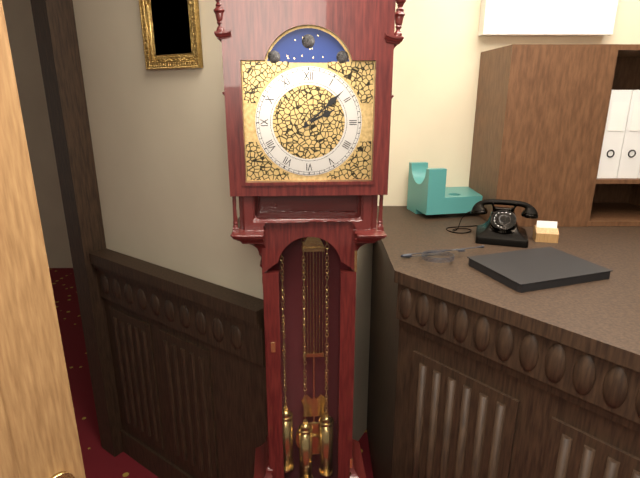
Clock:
2:08
